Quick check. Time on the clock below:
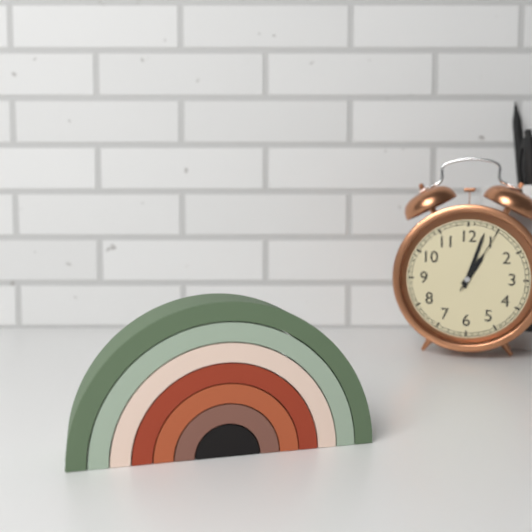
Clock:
1:03:05
